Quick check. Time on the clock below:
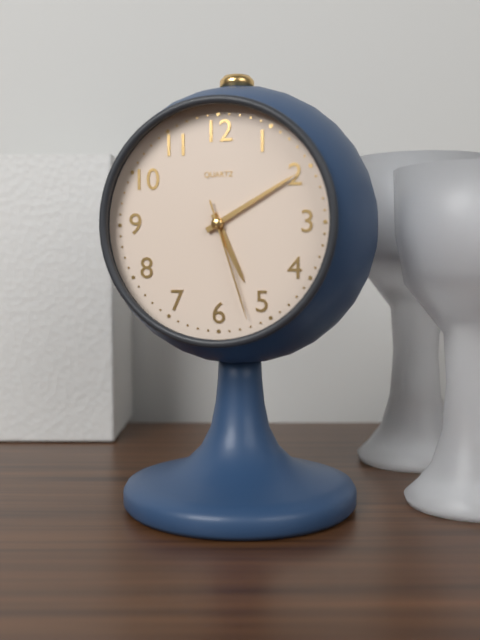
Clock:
5:10:27
